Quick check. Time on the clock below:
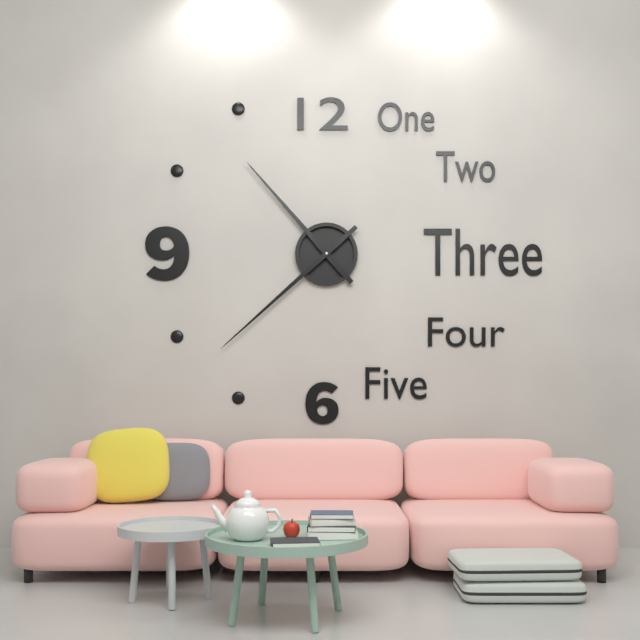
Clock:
10:38
